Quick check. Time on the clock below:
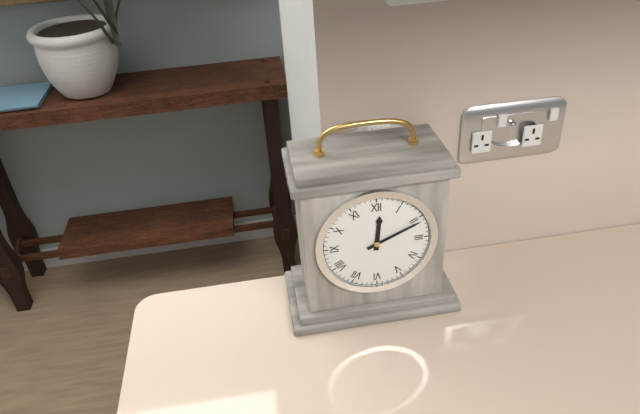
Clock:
12:11
